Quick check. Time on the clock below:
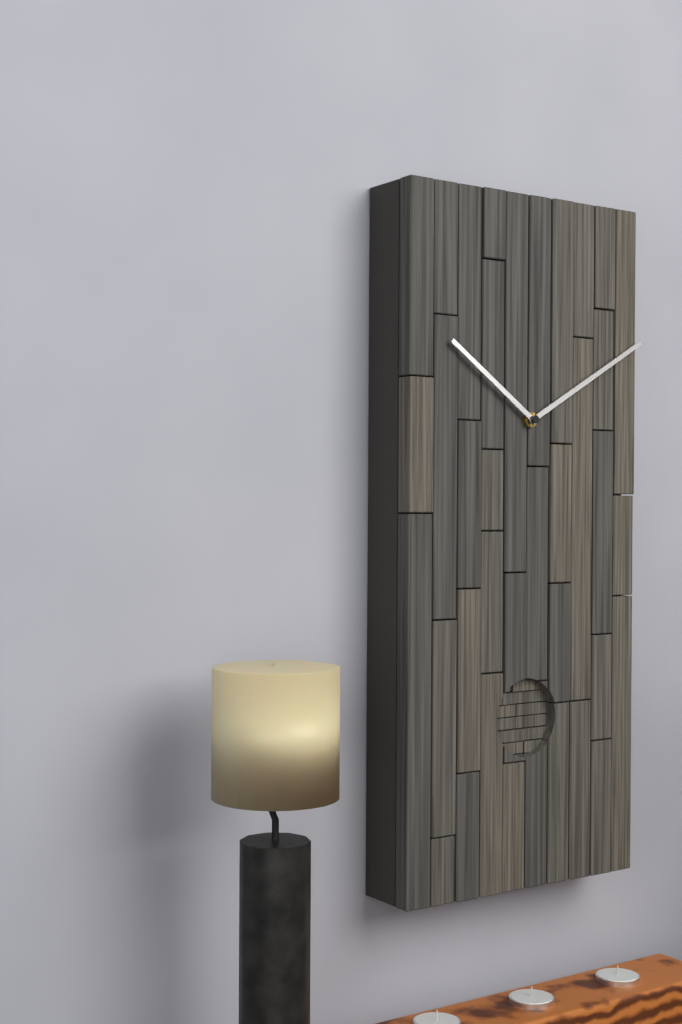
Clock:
10:10
